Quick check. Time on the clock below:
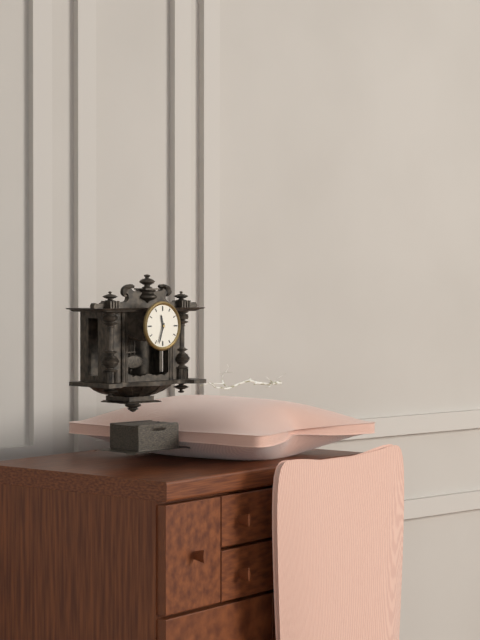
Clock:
11:33
